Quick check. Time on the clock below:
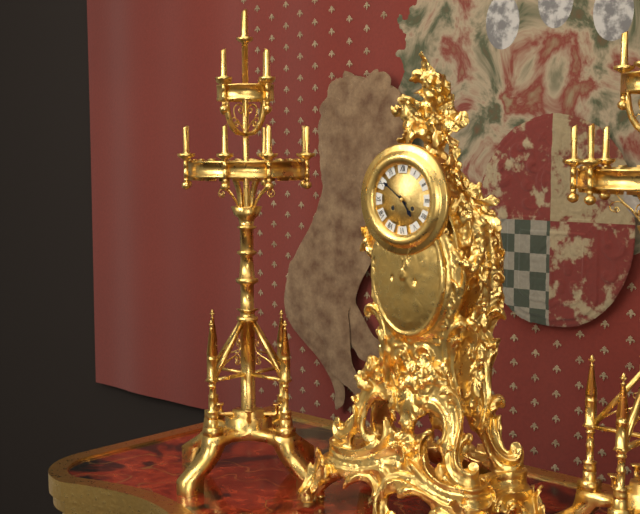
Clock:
4:51
